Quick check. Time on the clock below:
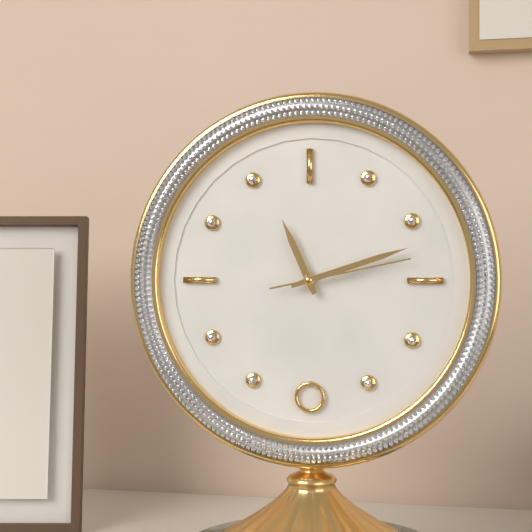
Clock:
11:12:13
